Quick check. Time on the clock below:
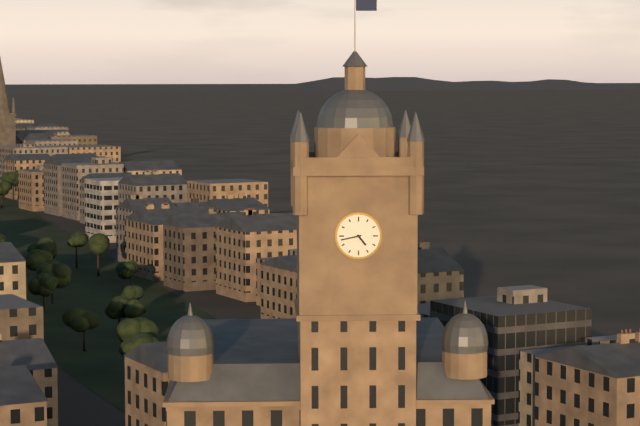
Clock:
4:43
